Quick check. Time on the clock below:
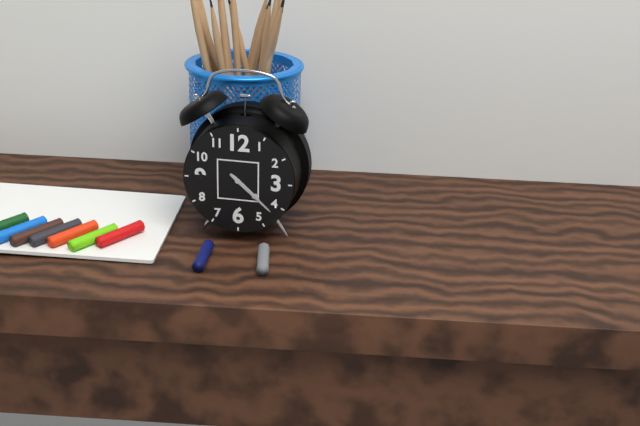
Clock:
4:22
